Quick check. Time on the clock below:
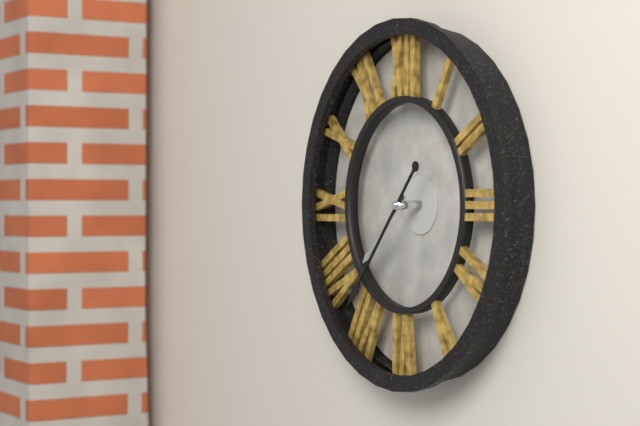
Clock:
7:37
